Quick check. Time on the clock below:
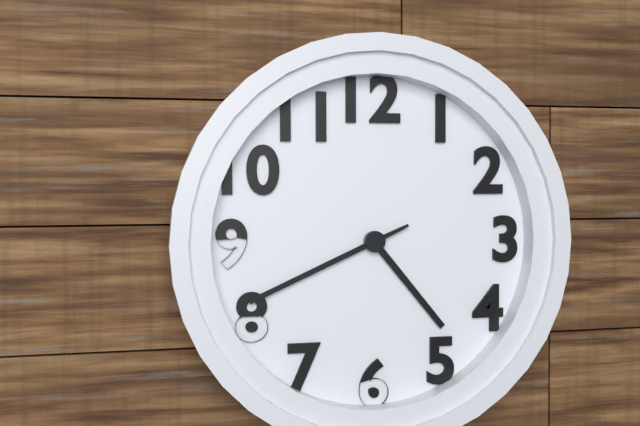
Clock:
4:41
